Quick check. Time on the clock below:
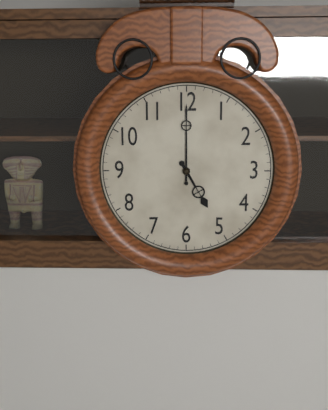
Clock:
5:00
